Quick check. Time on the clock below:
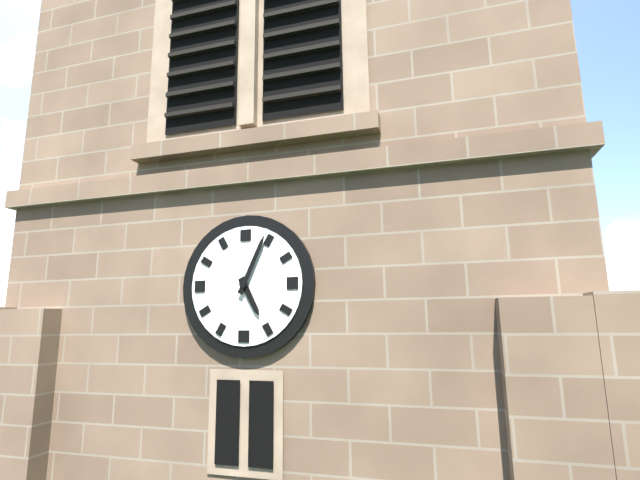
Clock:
5:04
